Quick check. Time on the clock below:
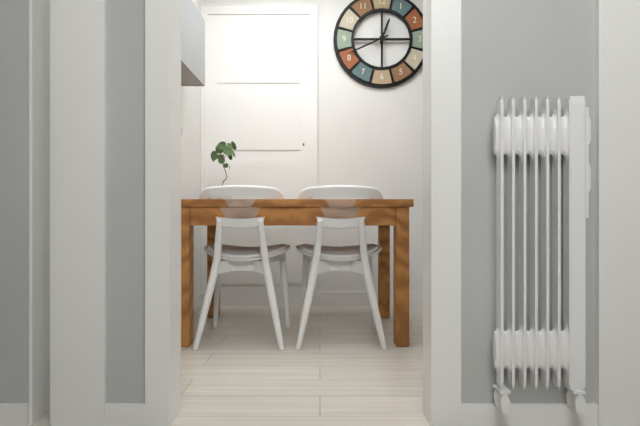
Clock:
12:41
